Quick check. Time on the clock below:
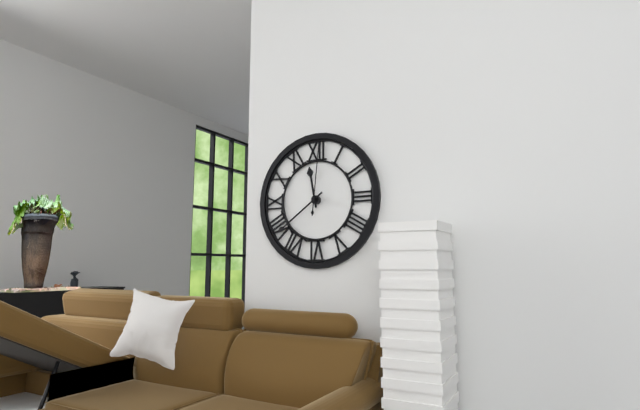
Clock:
11:39:01
